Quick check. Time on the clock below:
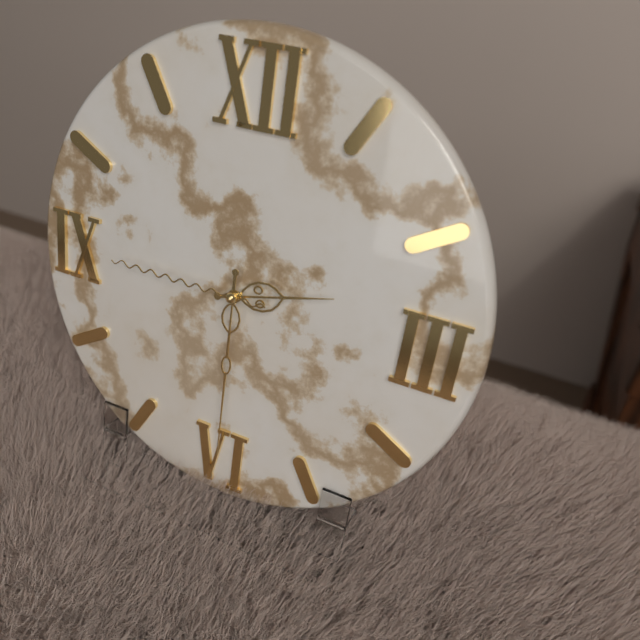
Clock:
2:30:45
